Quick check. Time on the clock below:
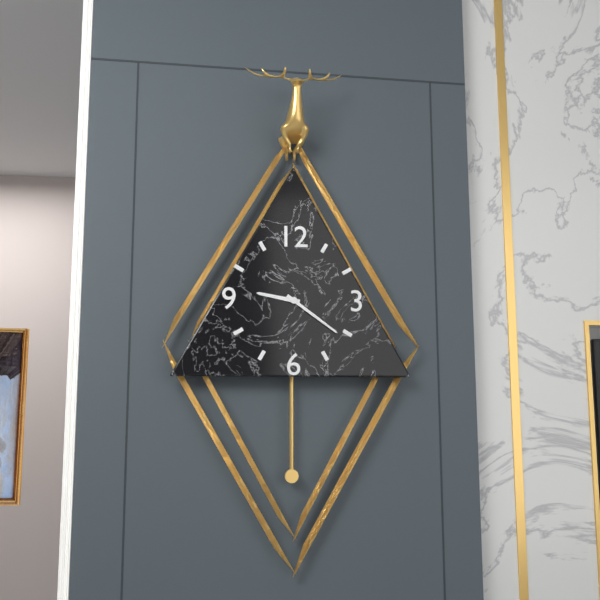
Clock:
9:21
